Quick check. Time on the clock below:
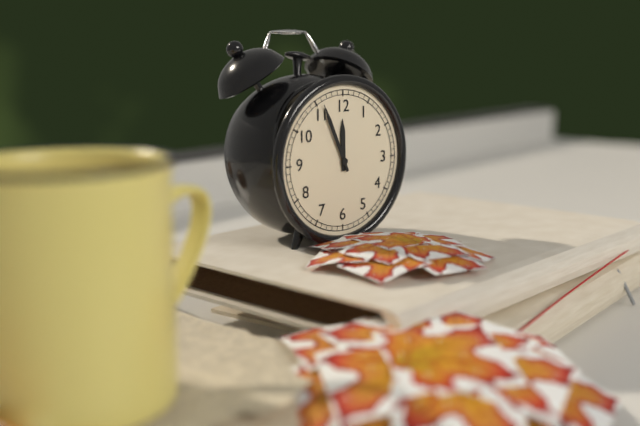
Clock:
11:56
